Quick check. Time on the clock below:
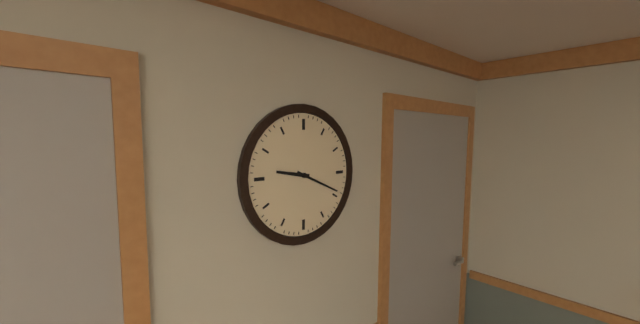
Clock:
9:19
